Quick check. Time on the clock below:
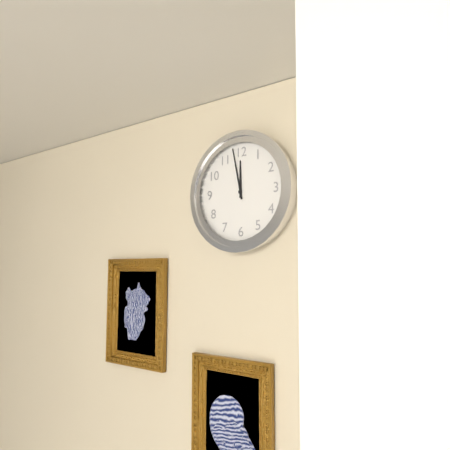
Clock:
11:58
